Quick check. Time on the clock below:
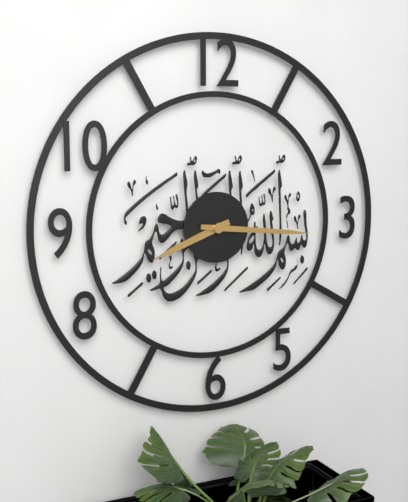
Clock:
8:16
